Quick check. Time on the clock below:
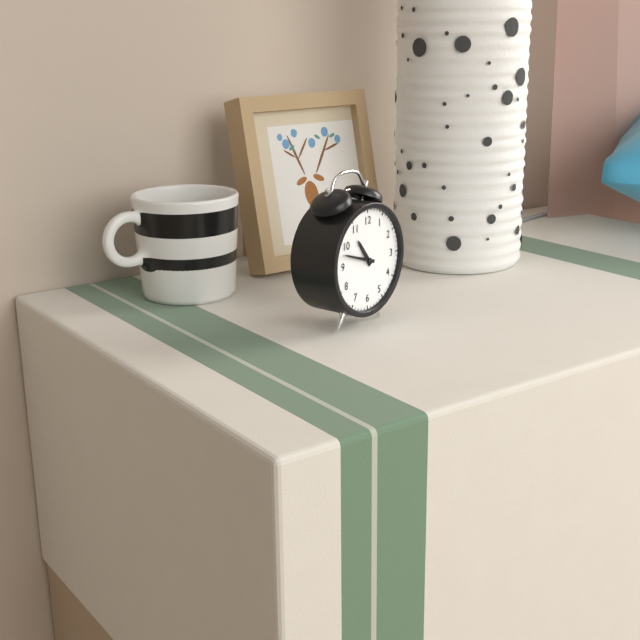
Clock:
10:48
